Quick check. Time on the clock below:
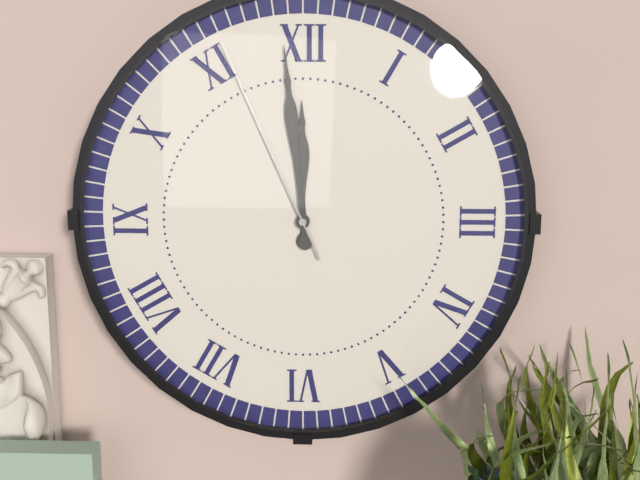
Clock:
11:59:56
